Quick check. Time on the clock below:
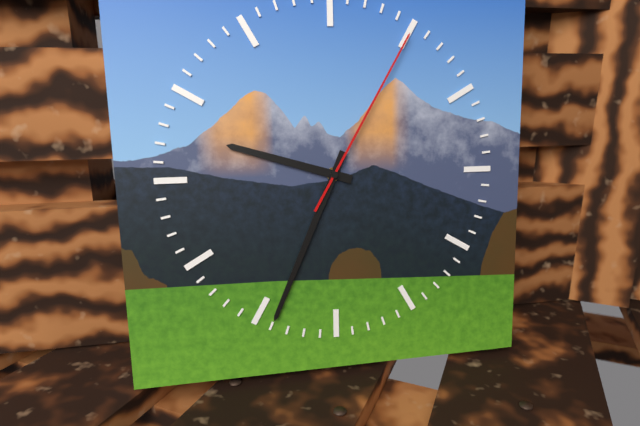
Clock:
9:34:05
